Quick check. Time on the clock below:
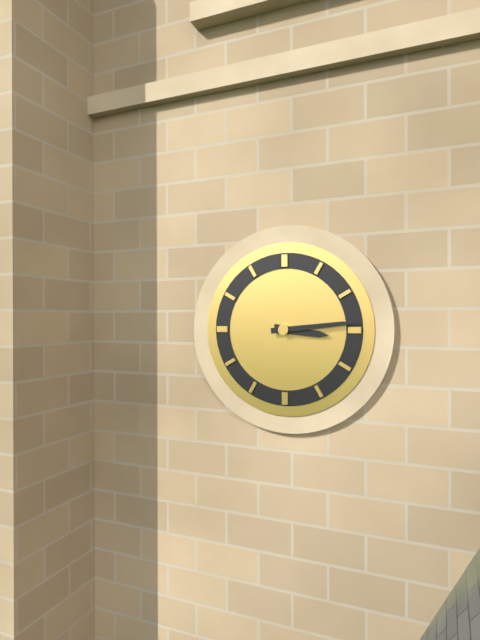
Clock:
3:14
